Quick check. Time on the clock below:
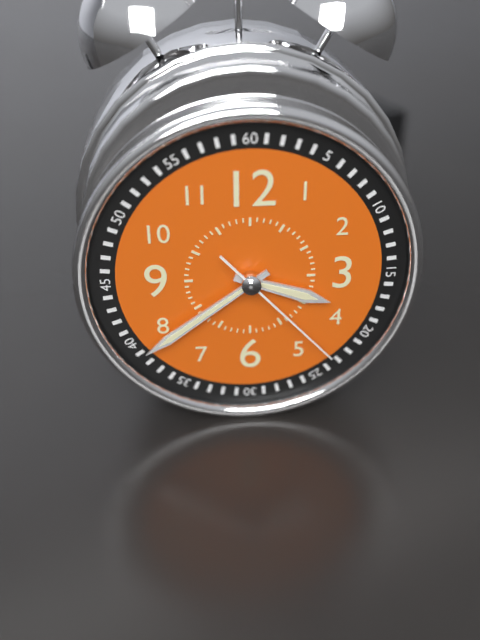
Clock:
3:39:23
